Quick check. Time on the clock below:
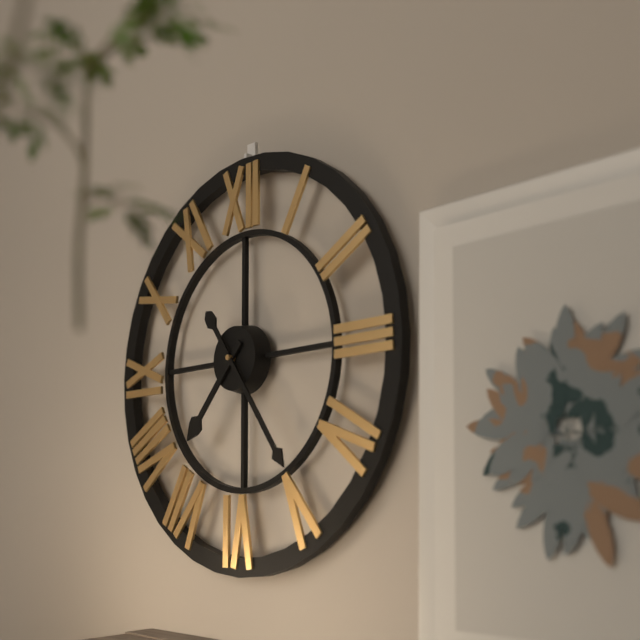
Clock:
7:24
